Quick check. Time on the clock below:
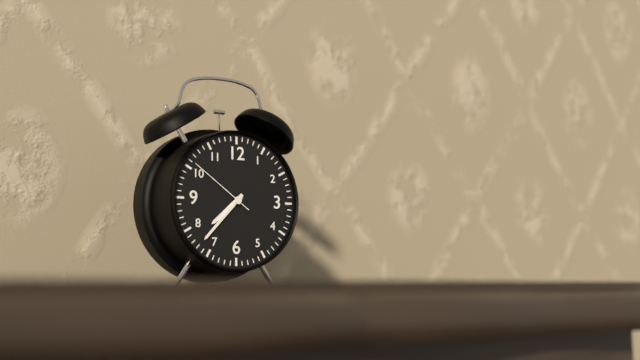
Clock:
7:37:51
